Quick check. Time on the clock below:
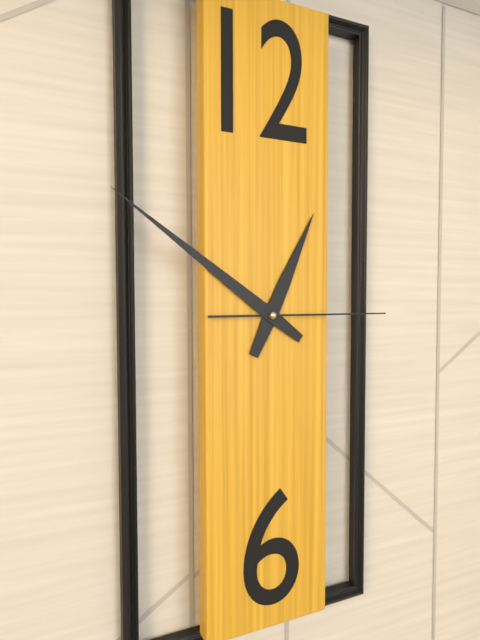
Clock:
12:51:15
